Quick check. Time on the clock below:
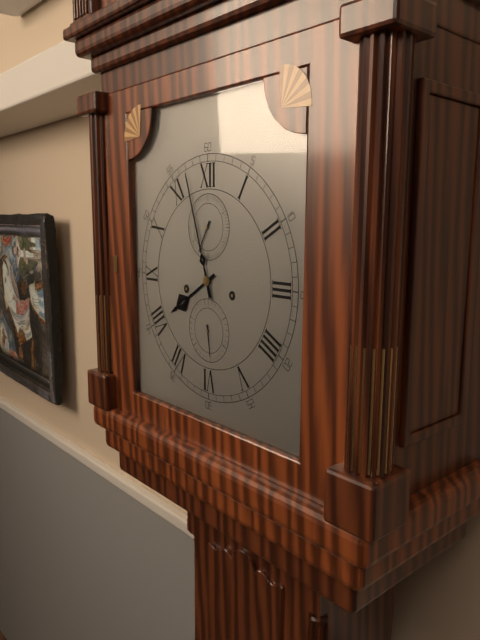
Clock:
7:57
